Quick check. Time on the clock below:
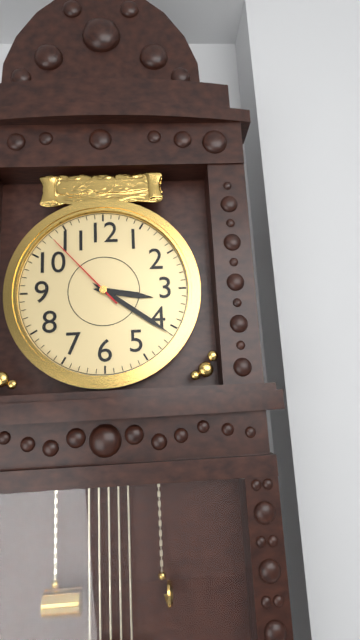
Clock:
3:21:53
